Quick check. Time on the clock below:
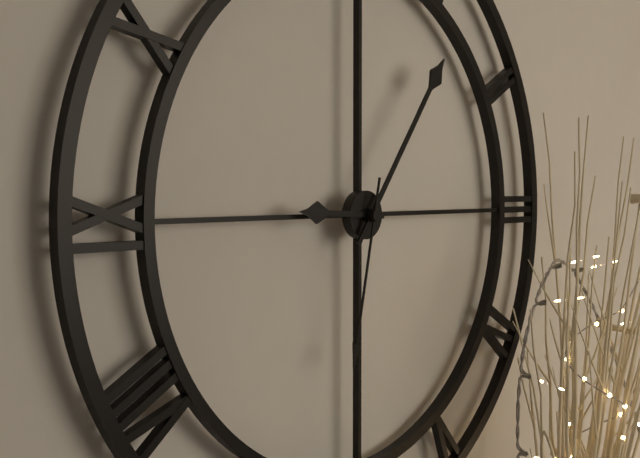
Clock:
9:06:32
